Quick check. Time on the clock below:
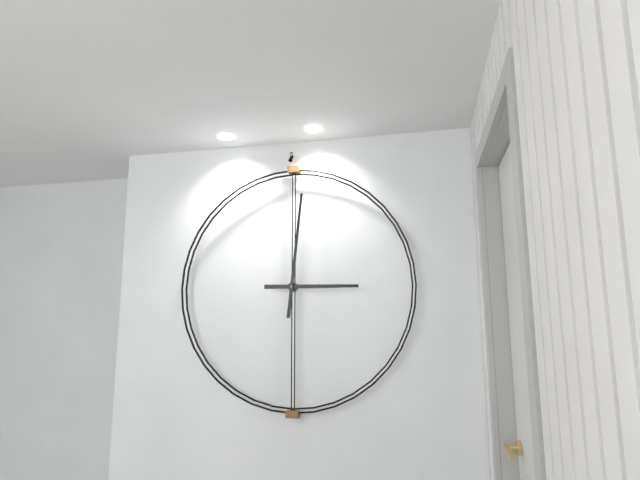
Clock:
3:01
